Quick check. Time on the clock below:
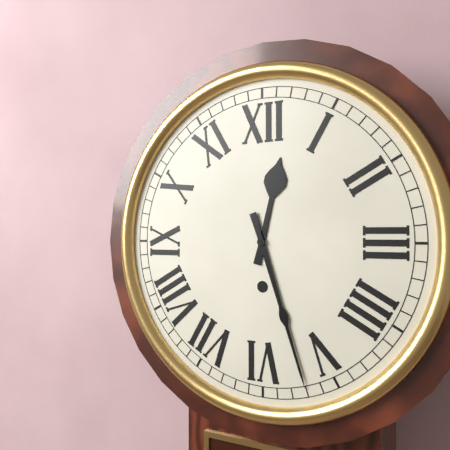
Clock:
12:27
